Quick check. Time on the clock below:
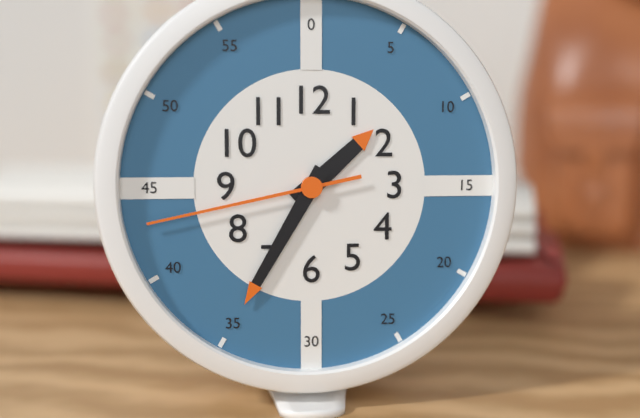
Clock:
1:35:43
